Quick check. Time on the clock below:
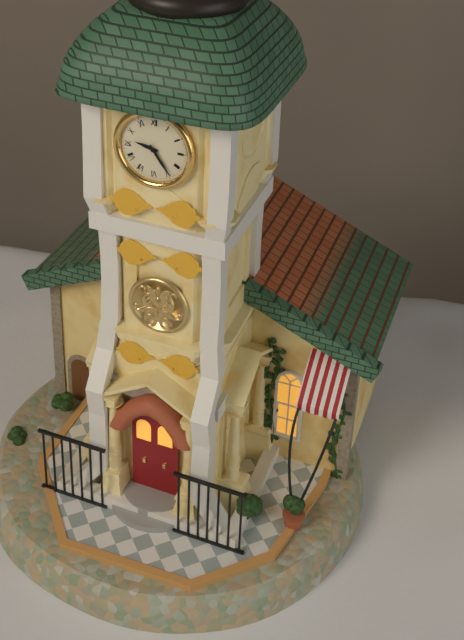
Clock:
9:24
